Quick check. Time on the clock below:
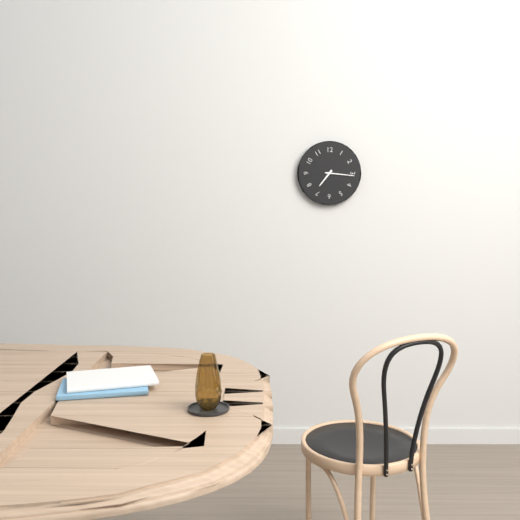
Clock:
7:16
